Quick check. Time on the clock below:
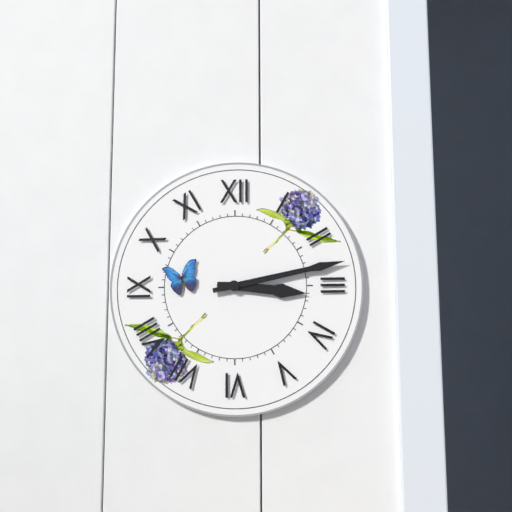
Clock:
3:13
